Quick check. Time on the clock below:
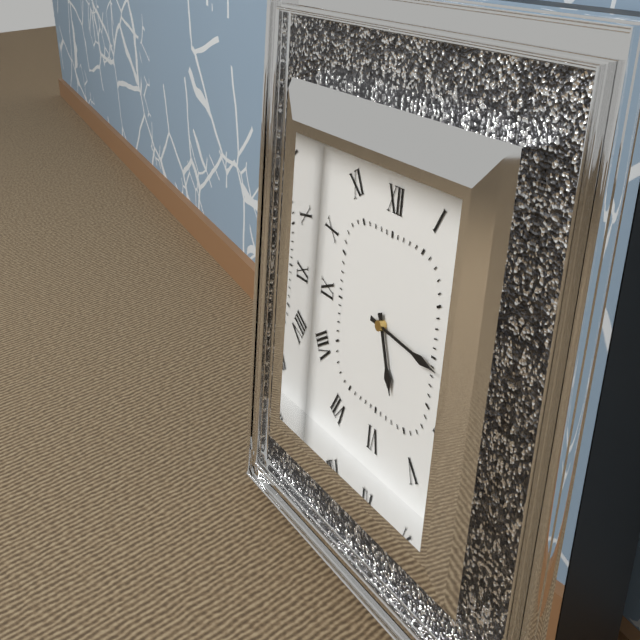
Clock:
5:16
